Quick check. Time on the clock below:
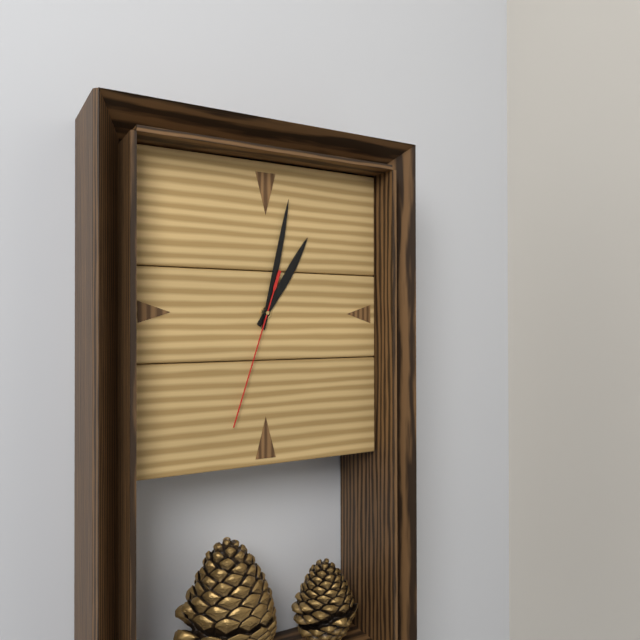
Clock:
1:02:33
